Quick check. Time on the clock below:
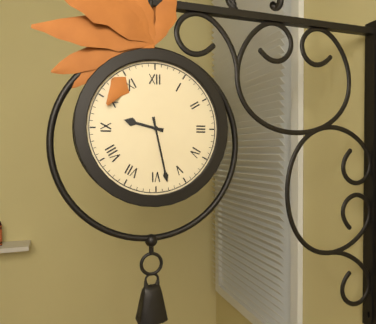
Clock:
9:28
